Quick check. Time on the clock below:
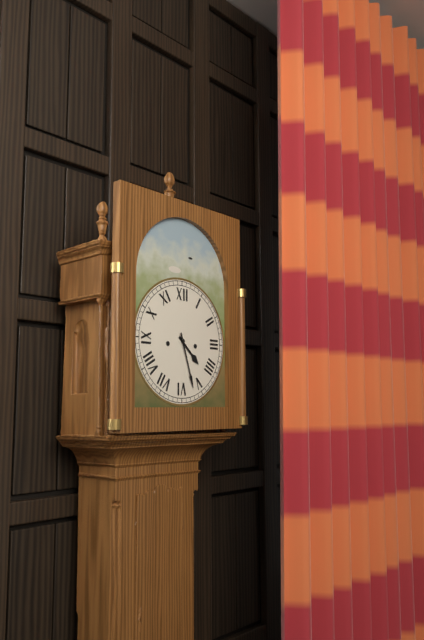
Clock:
4:27
